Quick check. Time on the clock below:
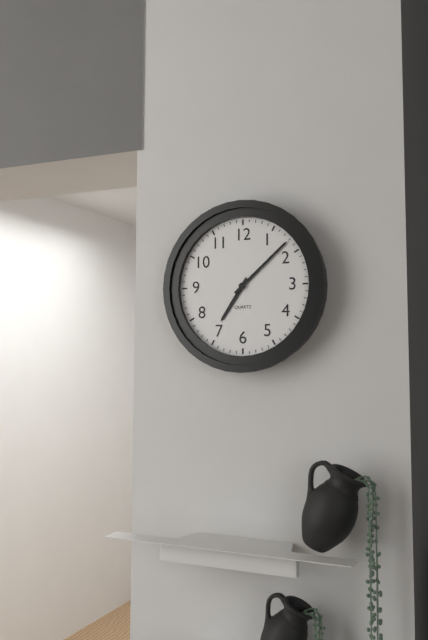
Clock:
7:08
